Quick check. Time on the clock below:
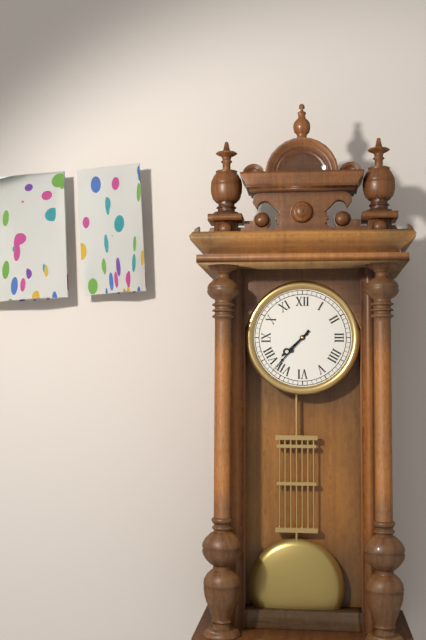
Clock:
7:37
